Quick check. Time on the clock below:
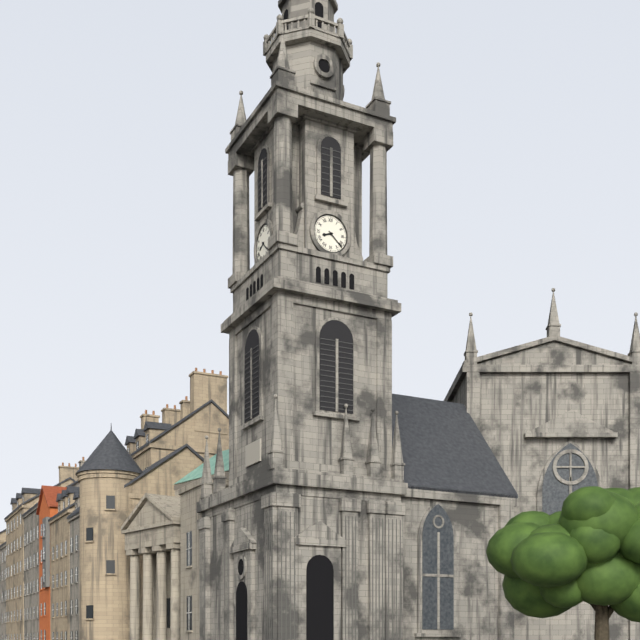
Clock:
8:22
